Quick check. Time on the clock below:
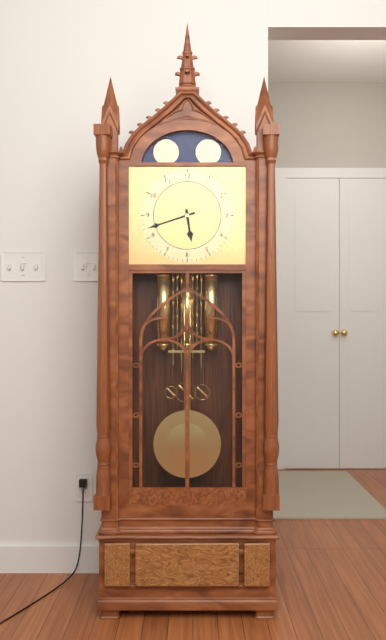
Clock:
5:42
